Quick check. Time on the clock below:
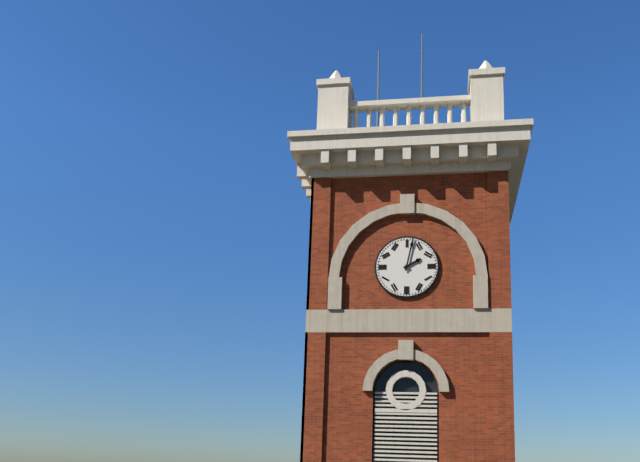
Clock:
2:02
